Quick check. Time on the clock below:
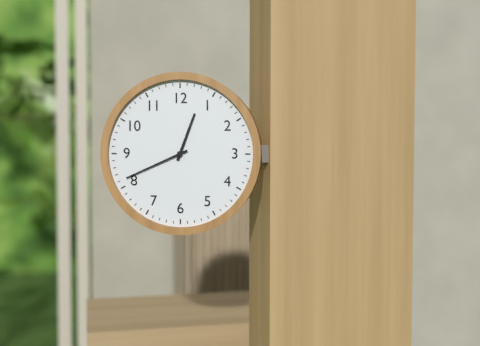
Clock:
12:41
